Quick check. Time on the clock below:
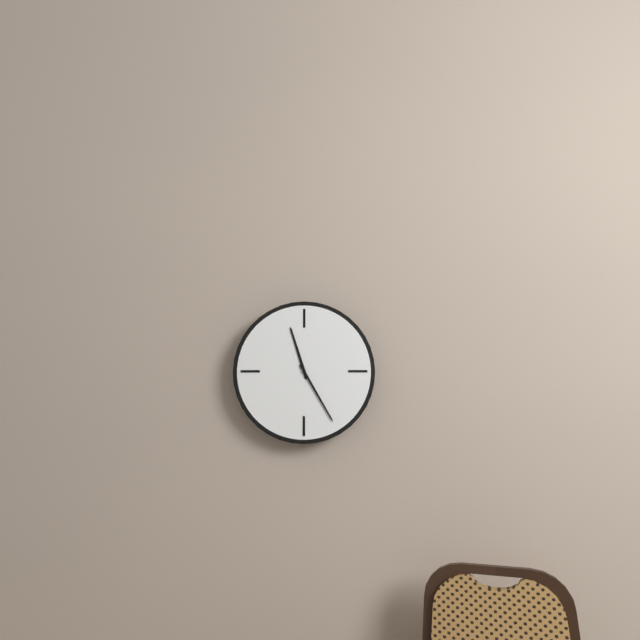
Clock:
11:25
